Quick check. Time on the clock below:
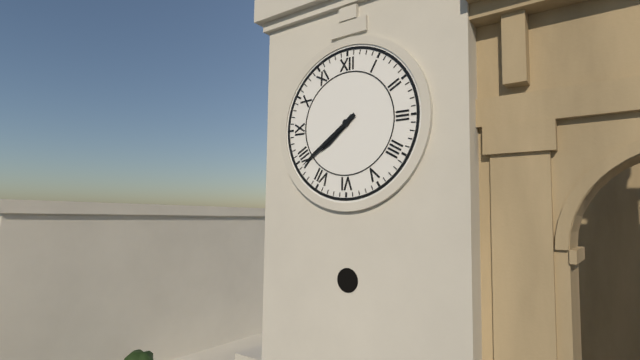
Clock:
7:39
